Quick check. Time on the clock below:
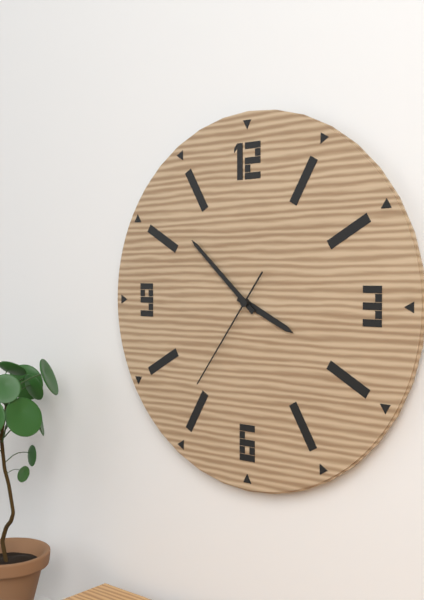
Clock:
3:52:36
